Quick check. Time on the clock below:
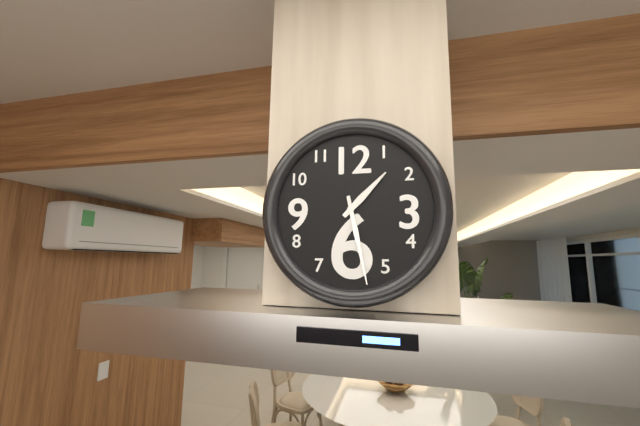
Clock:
1:28
